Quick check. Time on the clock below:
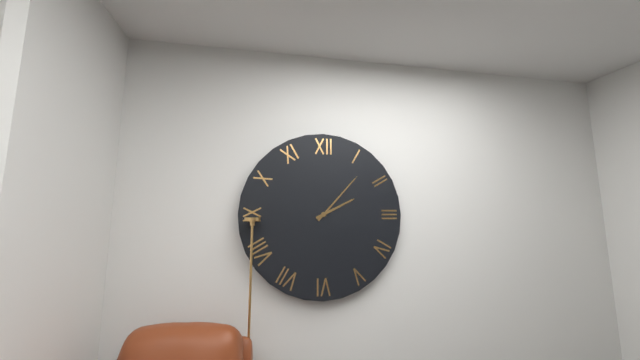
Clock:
2:07
